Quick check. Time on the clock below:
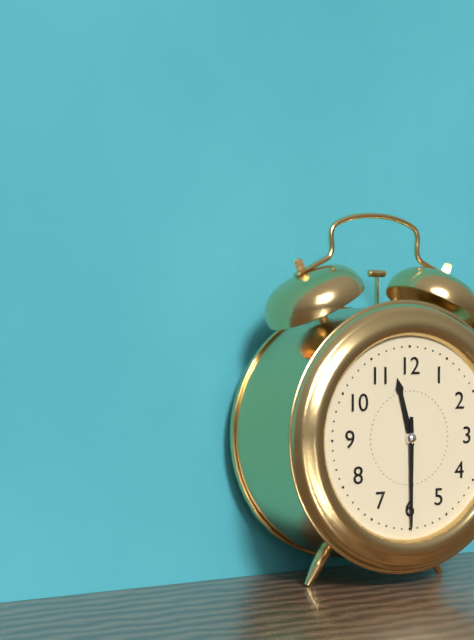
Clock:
11:30
